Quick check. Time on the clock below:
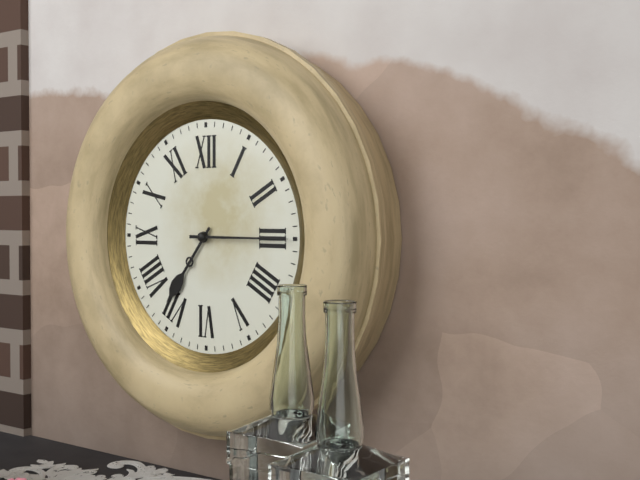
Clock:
7:15
